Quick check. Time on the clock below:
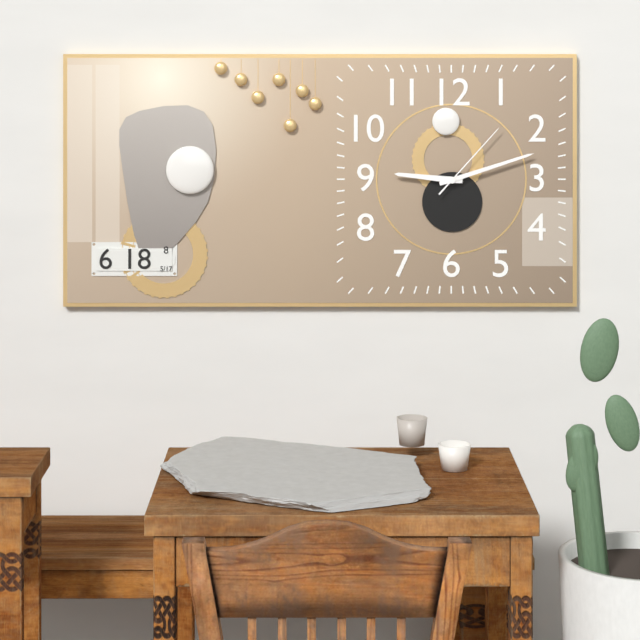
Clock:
9:12:07
